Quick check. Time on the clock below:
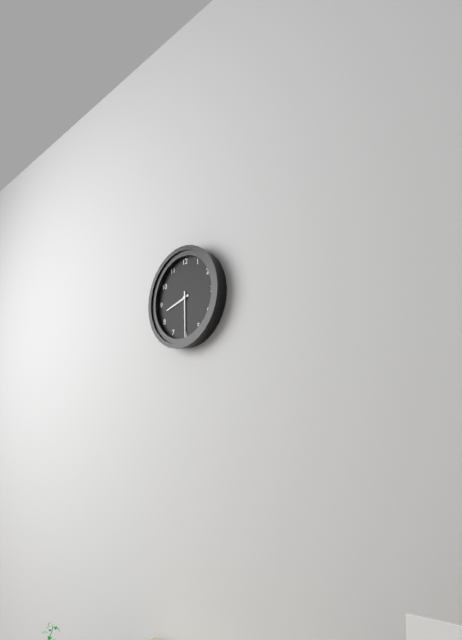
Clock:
8:30
